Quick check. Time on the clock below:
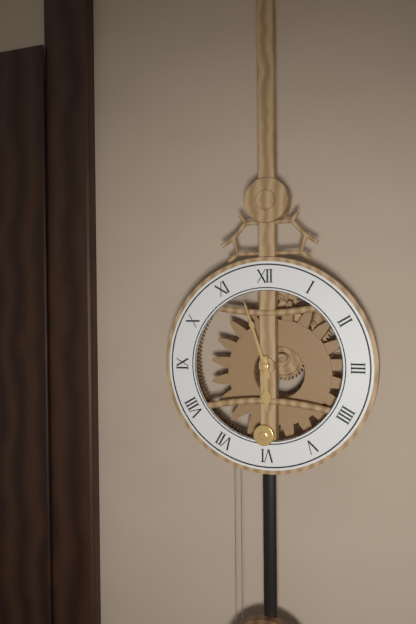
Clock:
5:57
